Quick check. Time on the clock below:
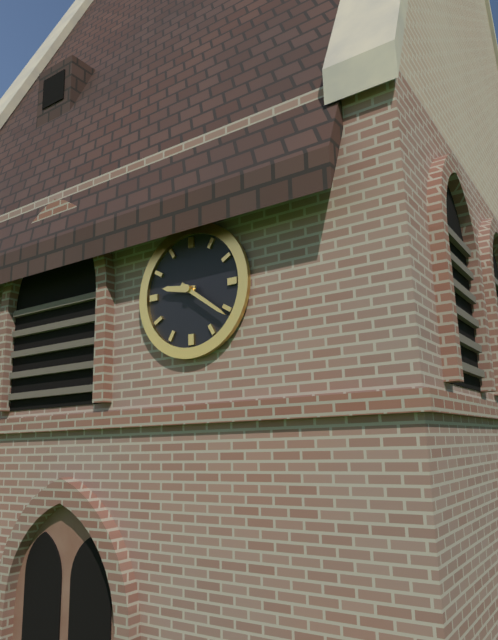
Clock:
9:21
